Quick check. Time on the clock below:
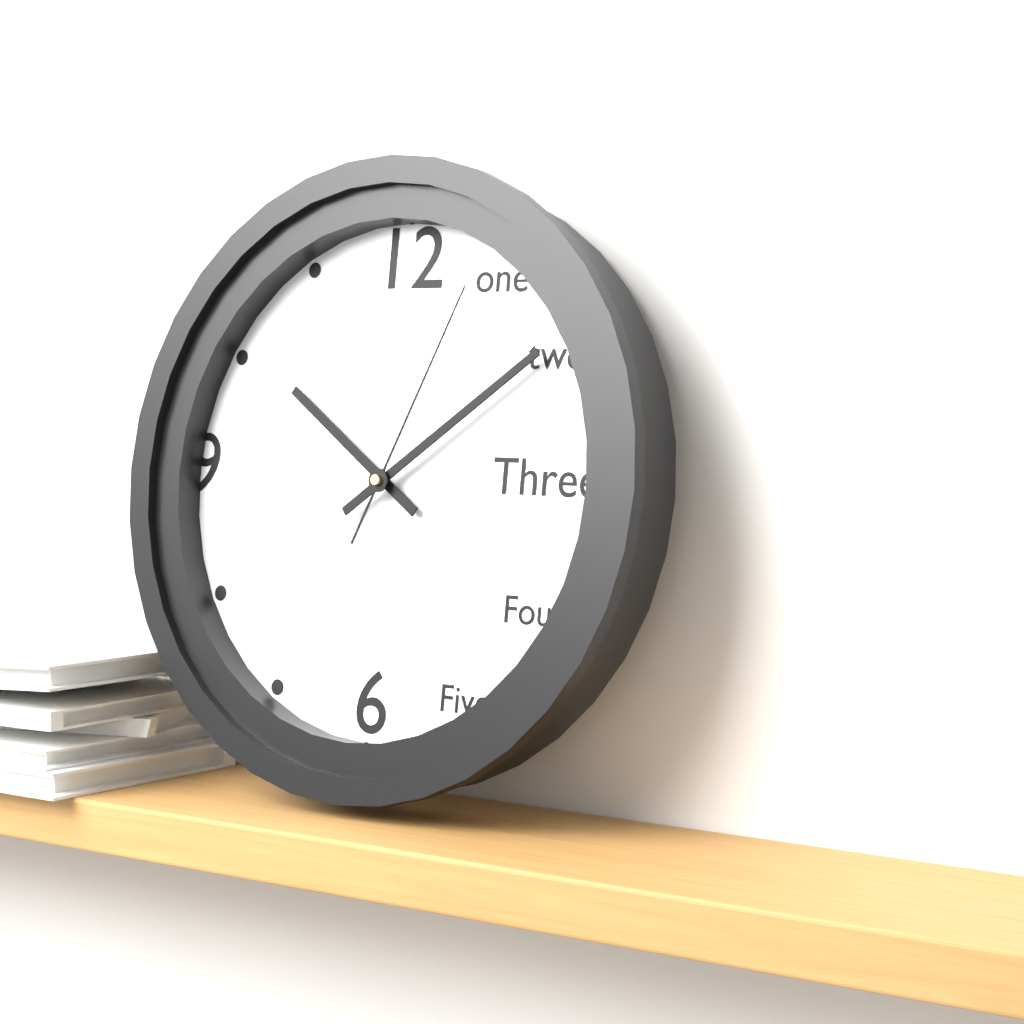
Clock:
10:09:04
